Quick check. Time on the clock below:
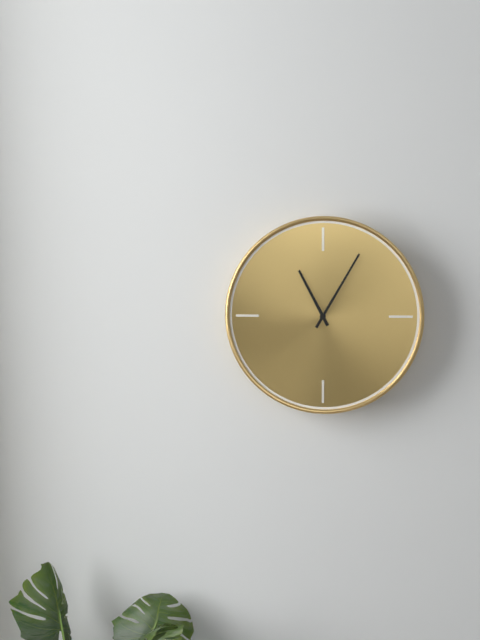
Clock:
11:05
